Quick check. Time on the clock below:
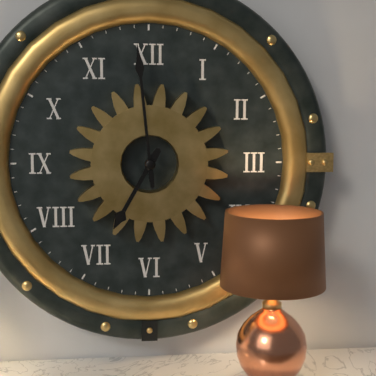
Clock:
6:59
